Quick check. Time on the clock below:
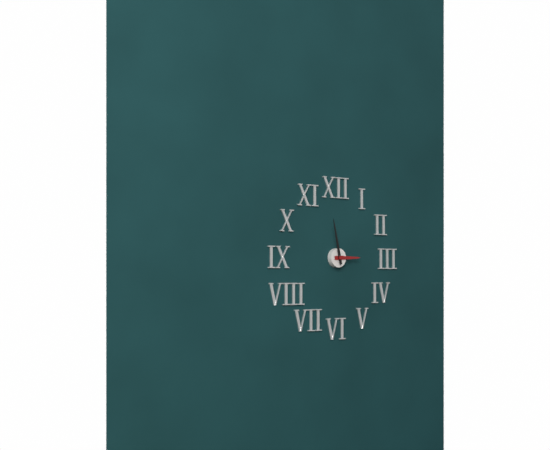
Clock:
2:58
